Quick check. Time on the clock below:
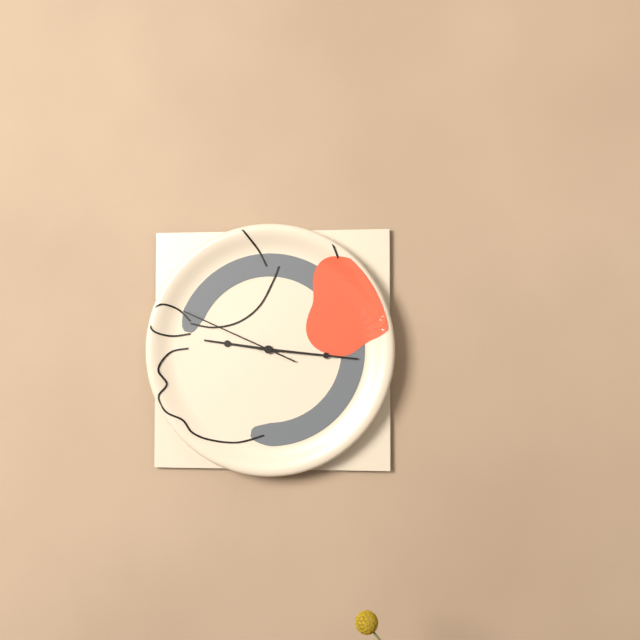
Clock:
9:16:49
